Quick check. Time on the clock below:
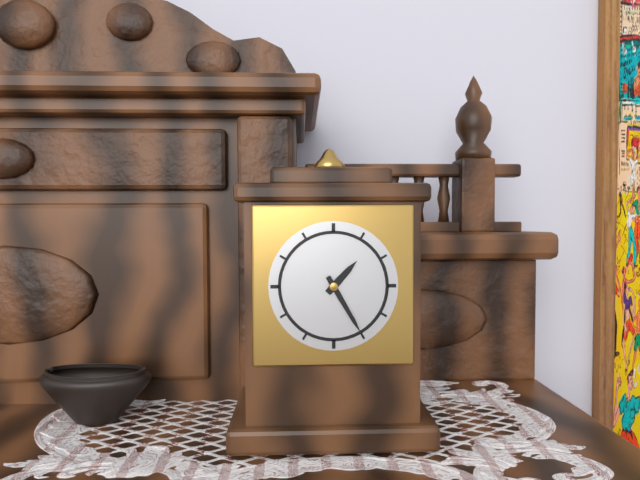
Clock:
1:25
